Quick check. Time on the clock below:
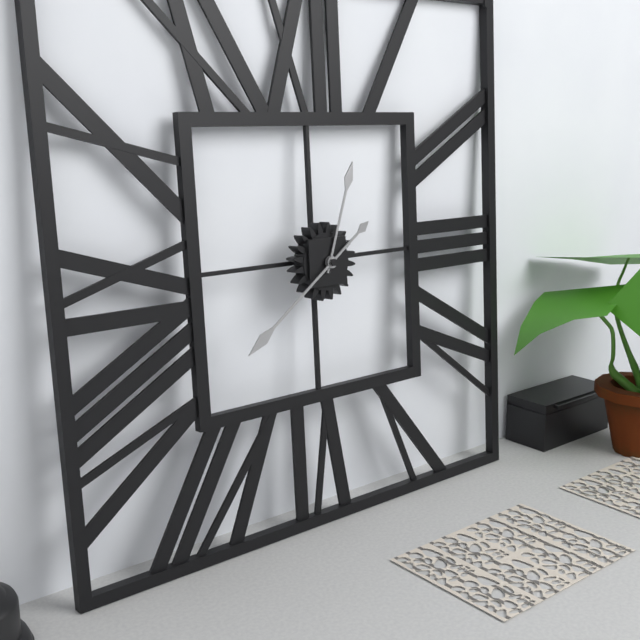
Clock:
12:39
